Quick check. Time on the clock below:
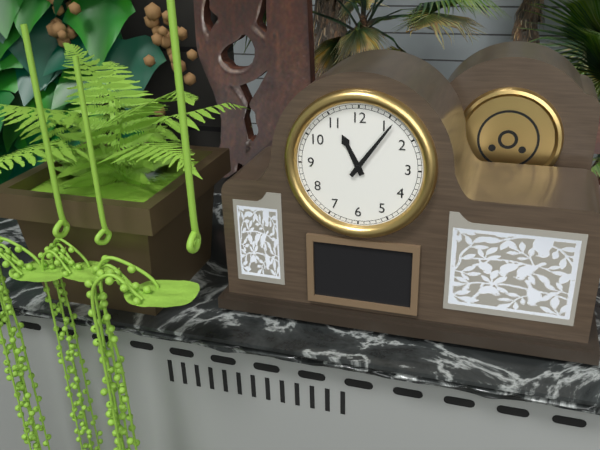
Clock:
11:06
